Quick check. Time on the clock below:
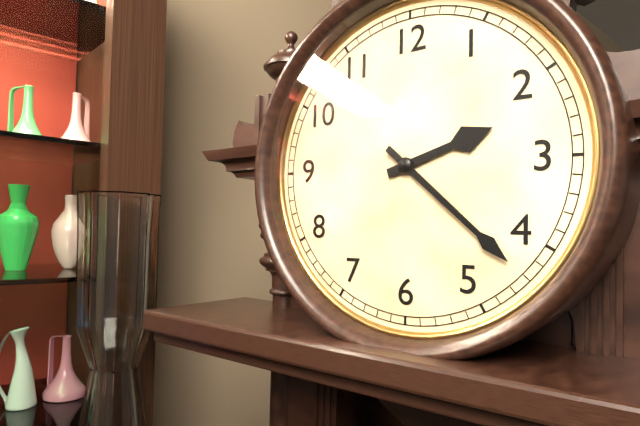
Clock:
2:22
